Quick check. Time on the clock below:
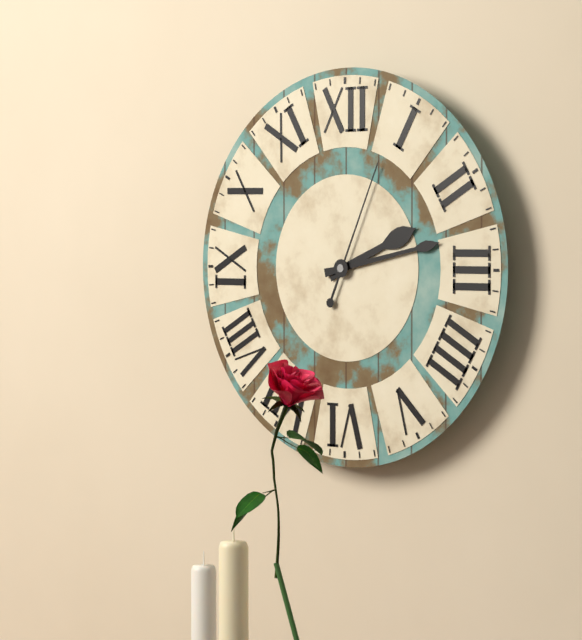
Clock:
2:13:04
